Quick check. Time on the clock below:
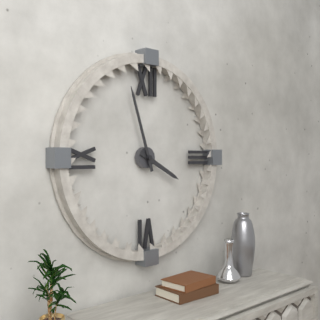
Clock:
3:57
